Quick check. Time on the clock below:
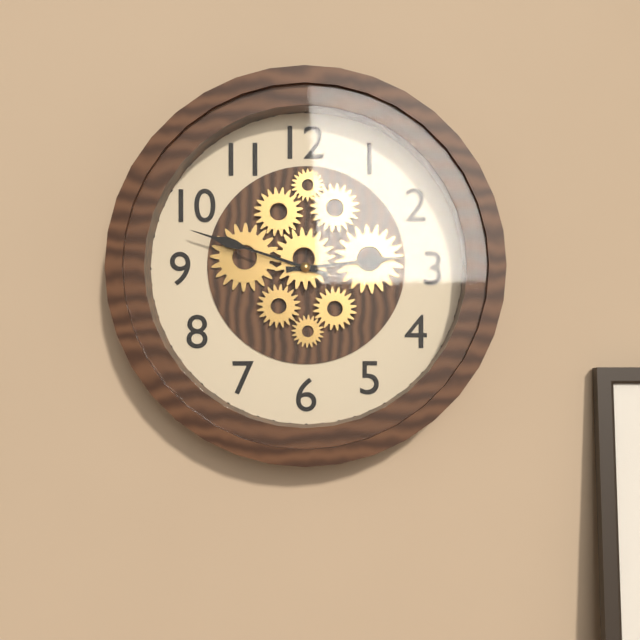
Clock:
2:48
